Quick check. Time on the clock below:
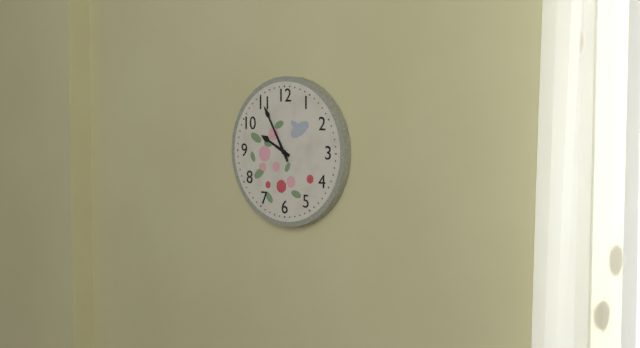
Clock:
9:55
